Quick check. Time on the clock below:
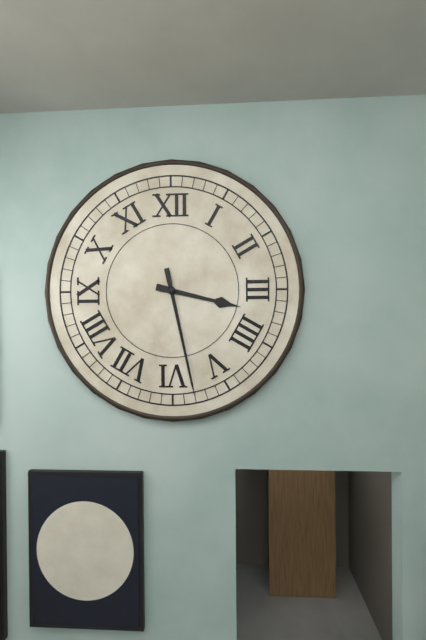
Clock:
3:28
